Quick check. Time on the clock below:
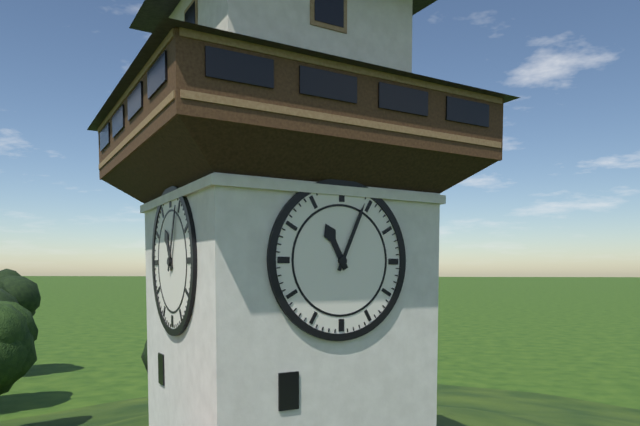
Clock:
11:04
